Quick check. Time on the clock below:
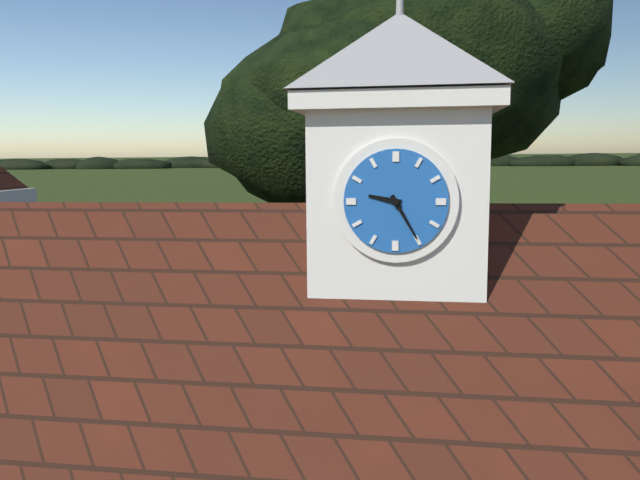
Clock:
9:25
